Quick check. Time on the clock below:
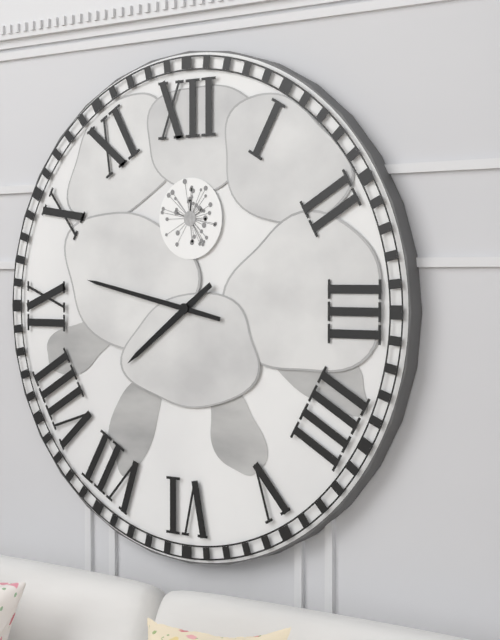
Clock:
7:47
